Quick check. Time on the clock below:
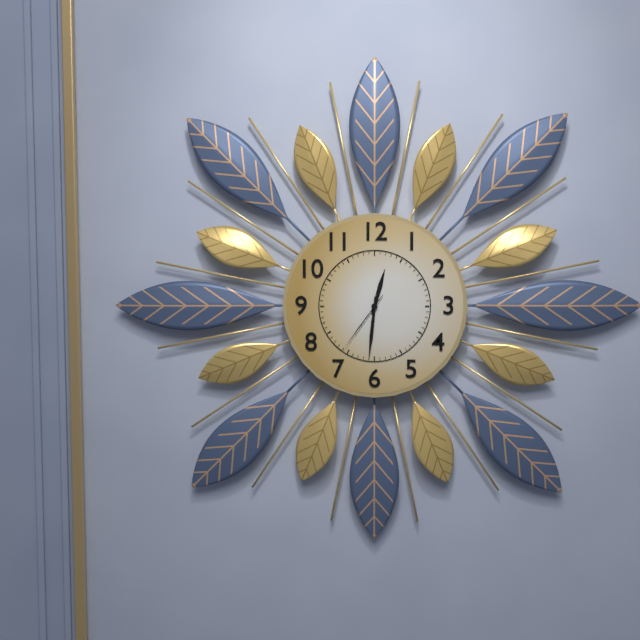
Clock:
12:31:36
